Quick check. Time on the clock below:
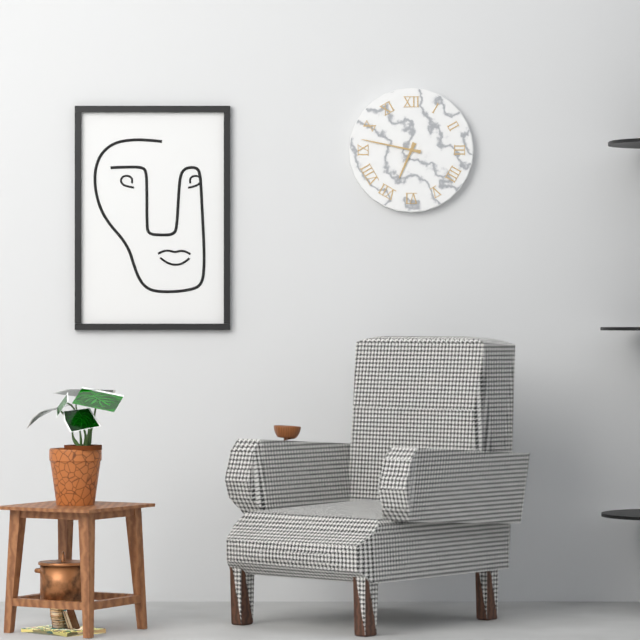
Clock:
6:47
